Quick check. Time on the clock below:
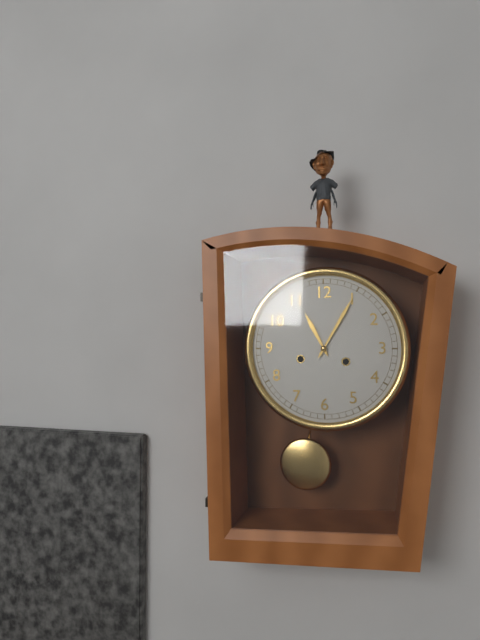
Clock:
11:05
